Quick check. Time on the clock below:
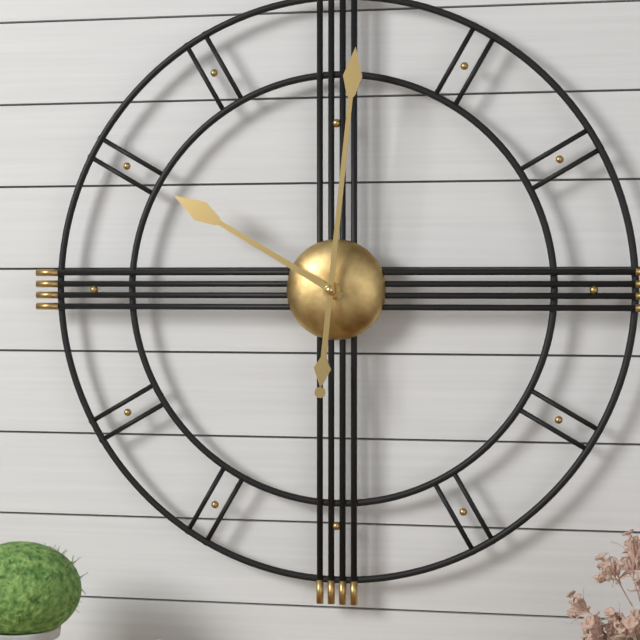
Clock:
10:01
